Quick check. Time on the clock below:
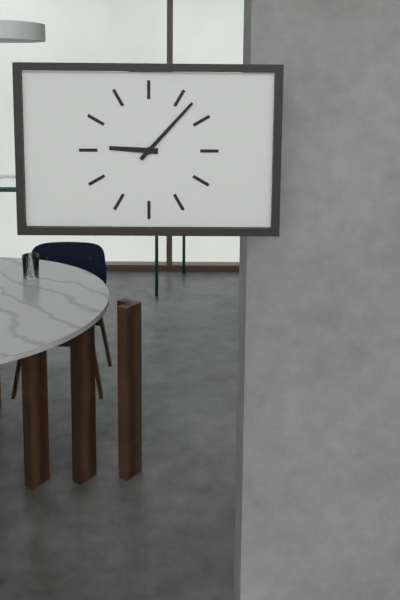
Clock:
9:07
